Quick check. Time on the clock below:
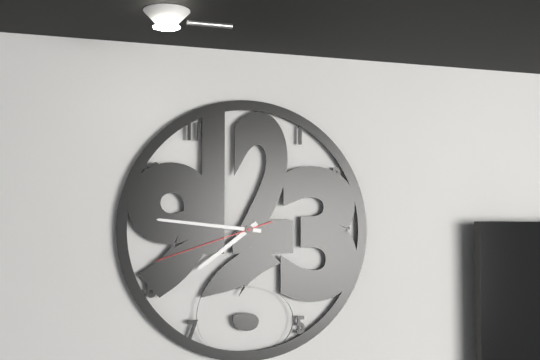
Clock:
7:46:42
